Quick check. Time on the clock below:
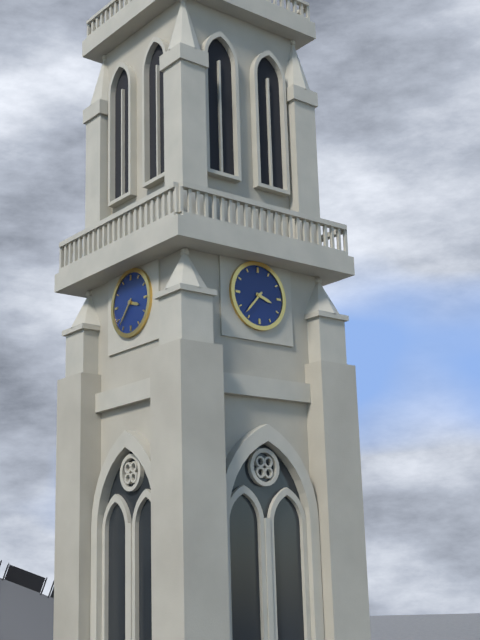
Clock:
3:37
